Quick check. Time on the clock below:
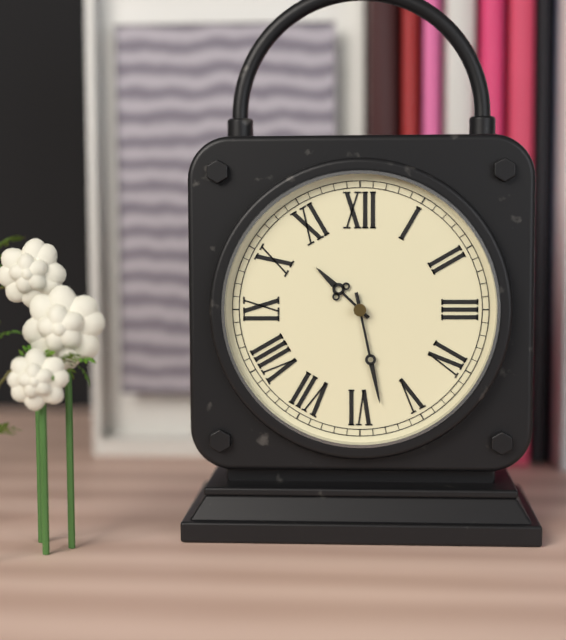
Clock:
10:28
